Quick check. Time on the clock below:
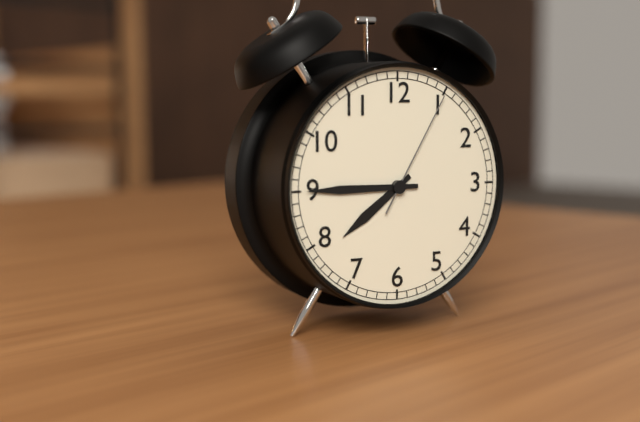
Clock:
7:45:05
